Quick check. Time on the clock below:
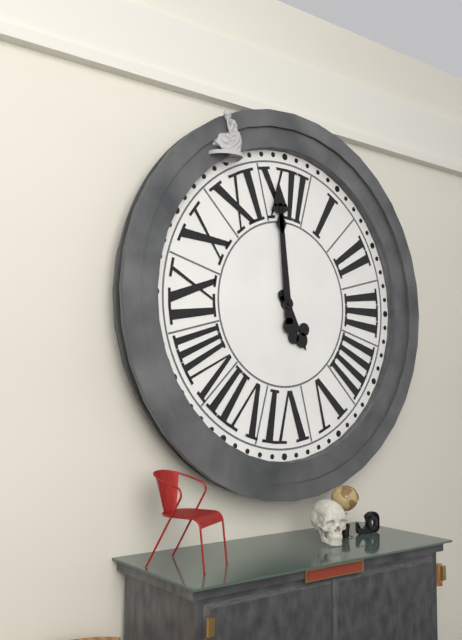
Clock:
4:59
